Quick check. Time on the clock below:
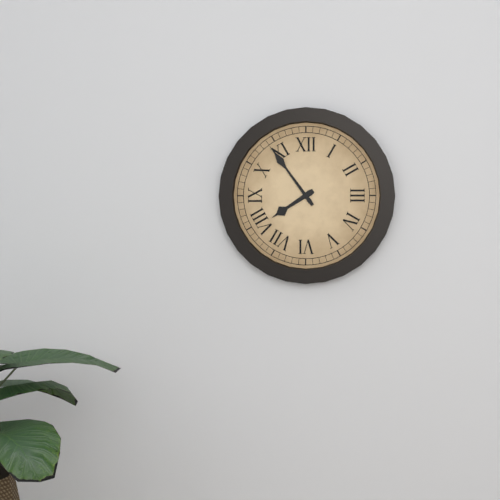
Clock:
7:54
